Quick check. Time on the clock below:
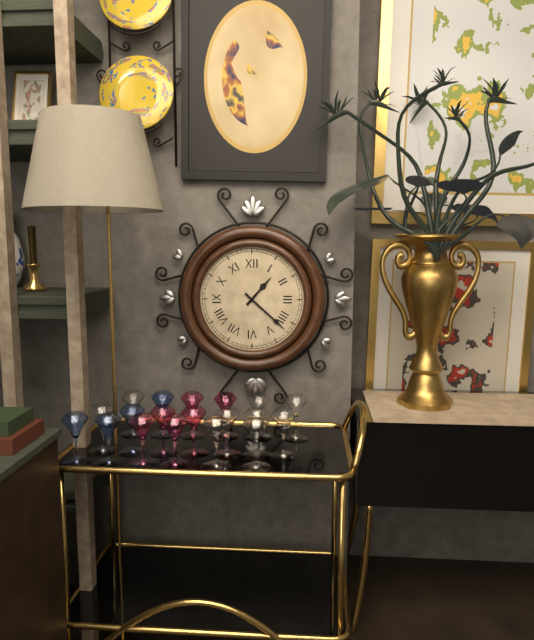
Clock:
1:22
